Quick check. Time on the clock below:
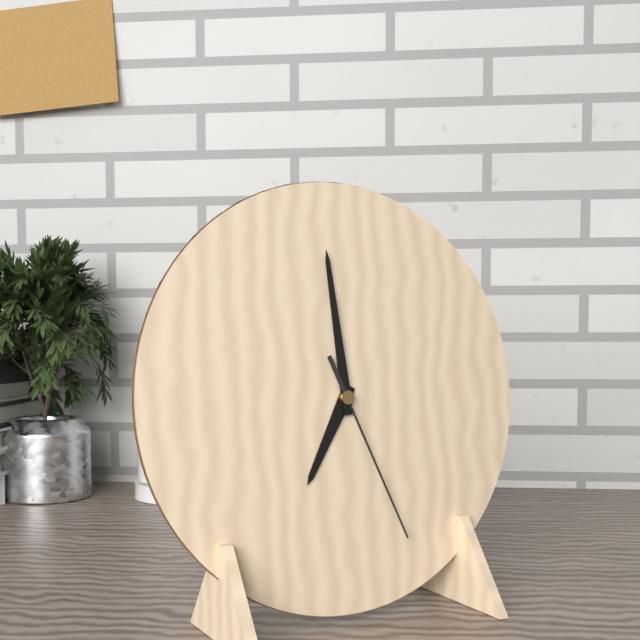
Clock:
6:59:26
